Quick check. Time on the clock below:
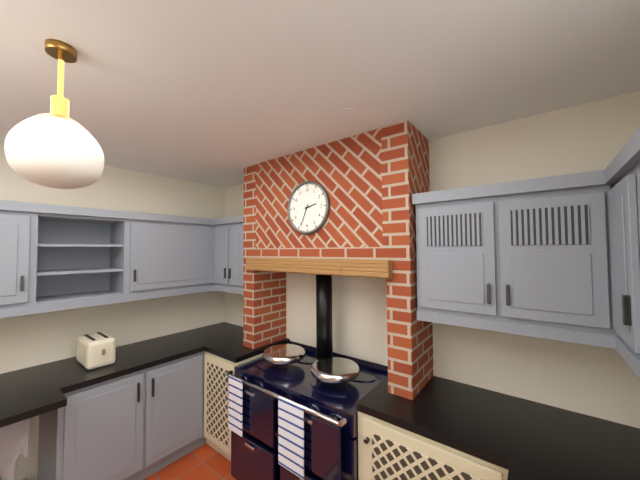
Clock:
2:34
